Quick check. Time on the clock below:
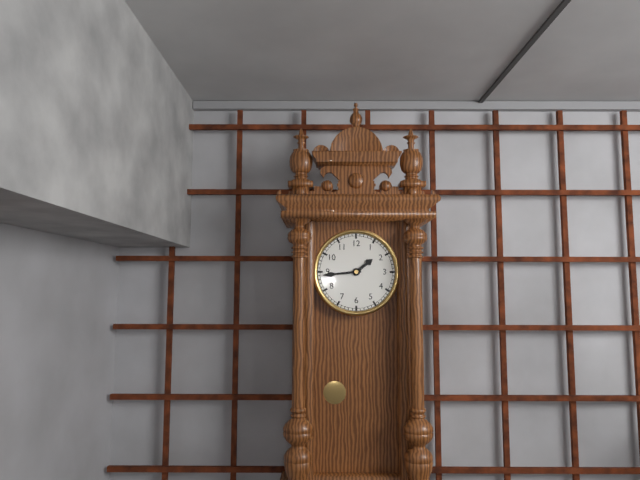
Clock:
1:44
